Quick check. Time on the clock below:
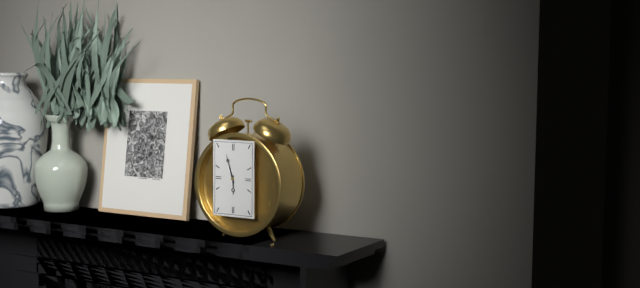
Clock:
5:57
